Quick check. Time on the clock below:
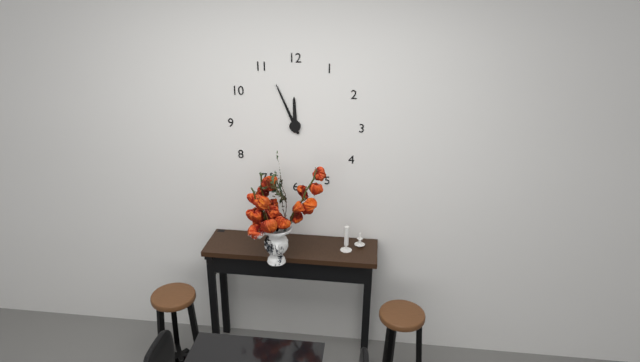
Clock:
11:56
